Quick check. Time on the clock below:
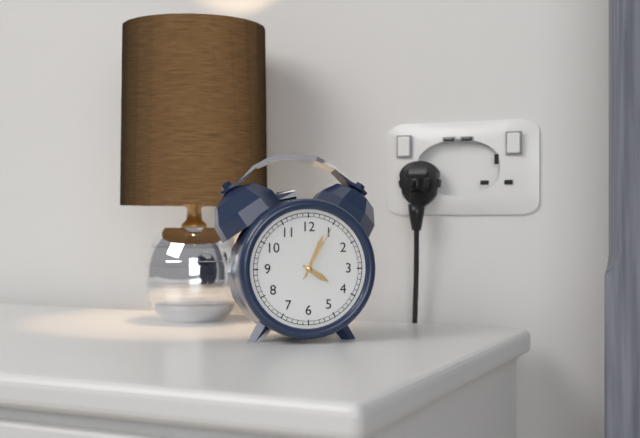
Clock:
4:04:05
